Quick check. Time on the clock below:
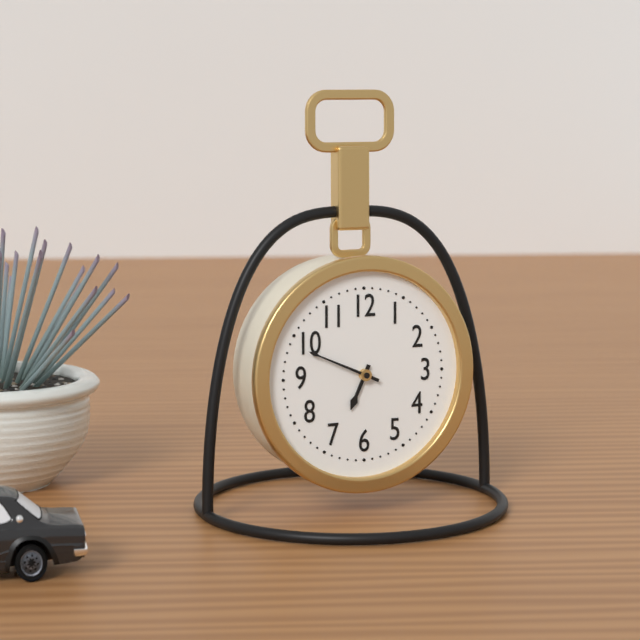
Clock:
6:49
